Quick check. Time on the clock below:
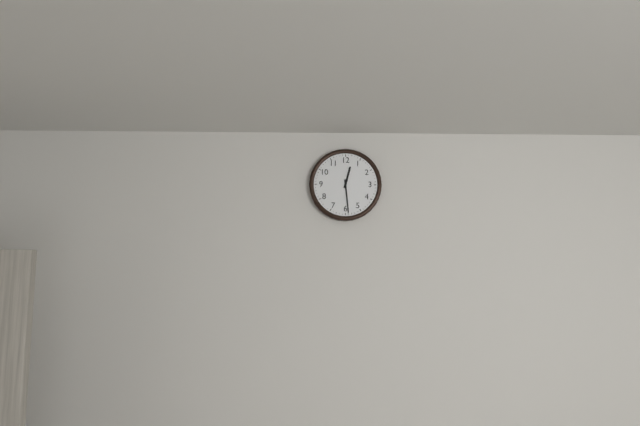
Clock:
12:29
